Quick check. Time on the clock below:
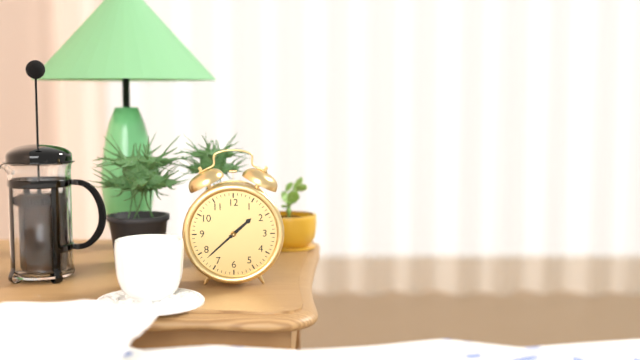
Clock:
1:38
